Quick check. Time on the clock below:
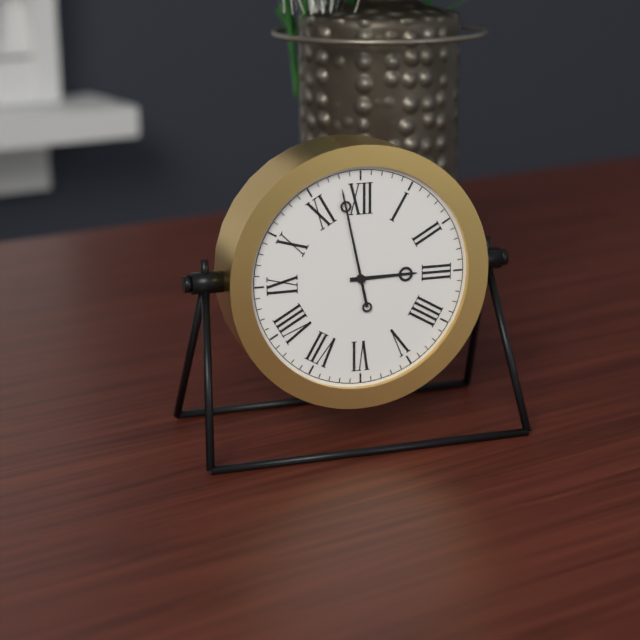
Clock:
2:58
